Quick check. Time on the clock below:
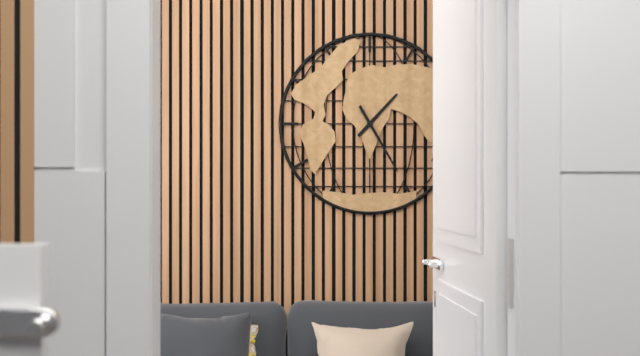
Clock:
1:25
